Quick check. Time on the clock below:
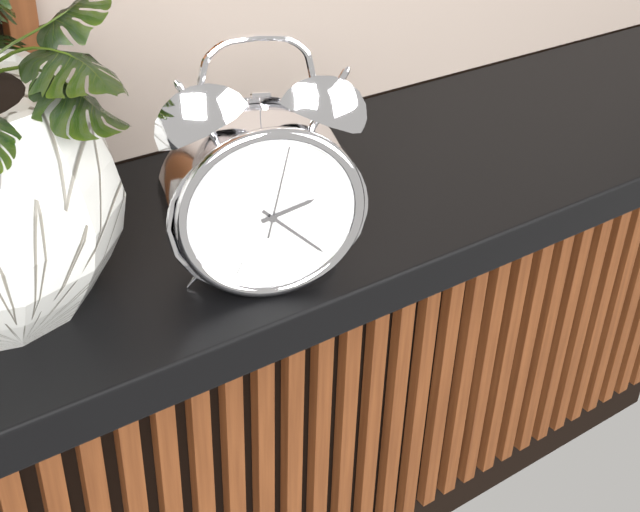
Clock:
2:22:02
